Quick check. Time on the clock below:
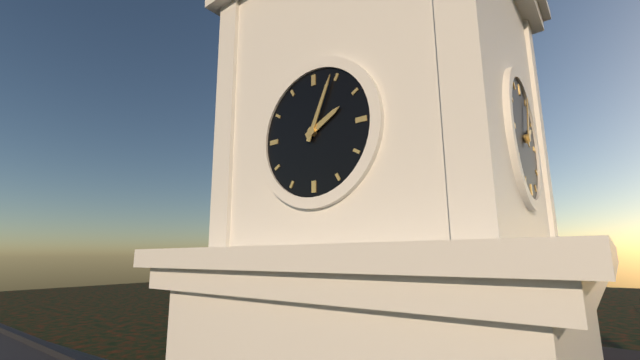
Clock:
2:04
